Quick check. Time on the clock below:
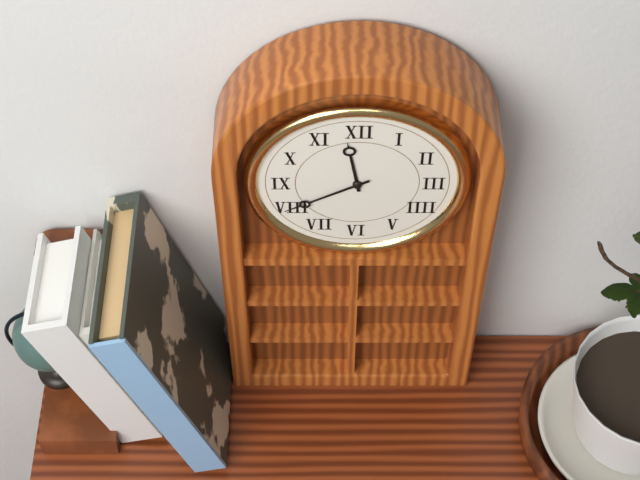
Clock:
11:40
